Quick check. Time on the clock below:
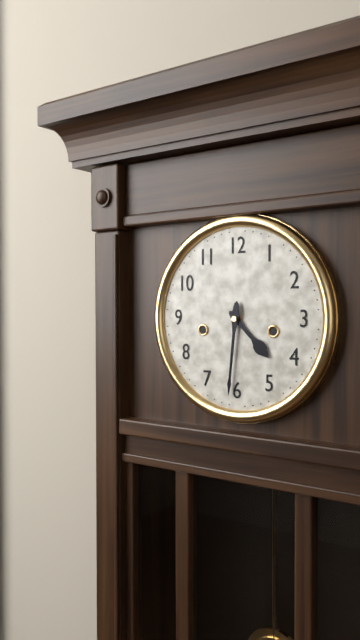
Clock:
4:31
